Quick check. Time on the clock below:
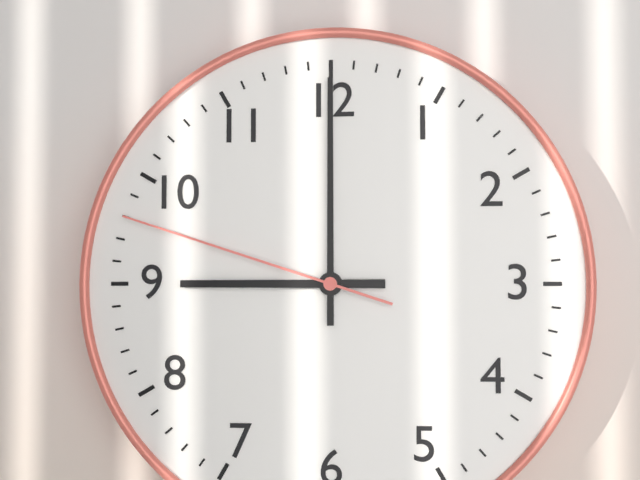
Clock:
9:00:48
